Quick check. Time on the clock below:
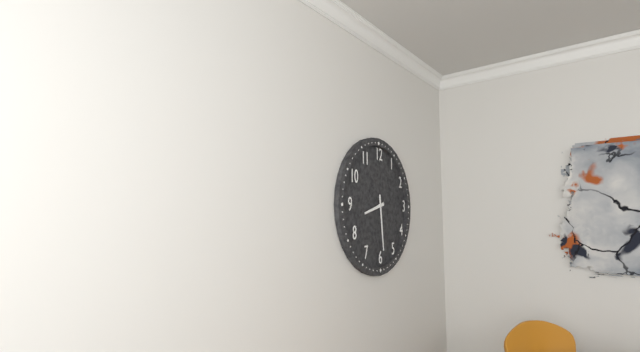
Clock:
8:29
